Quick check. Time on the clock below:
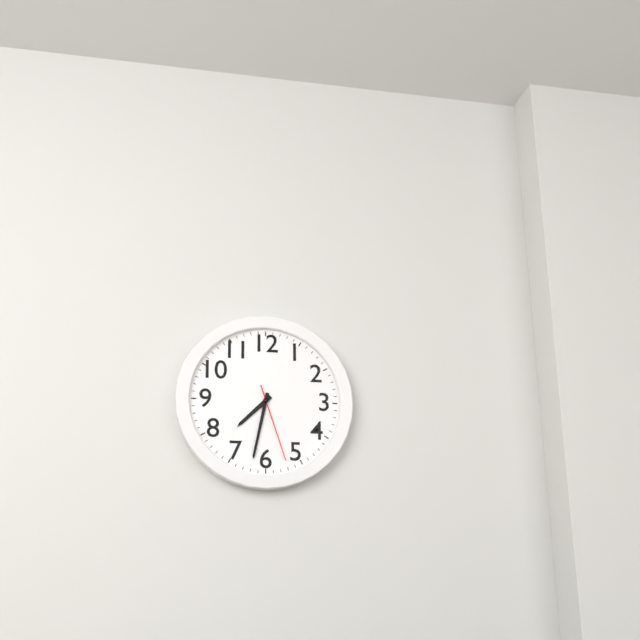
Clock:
7:32:27
